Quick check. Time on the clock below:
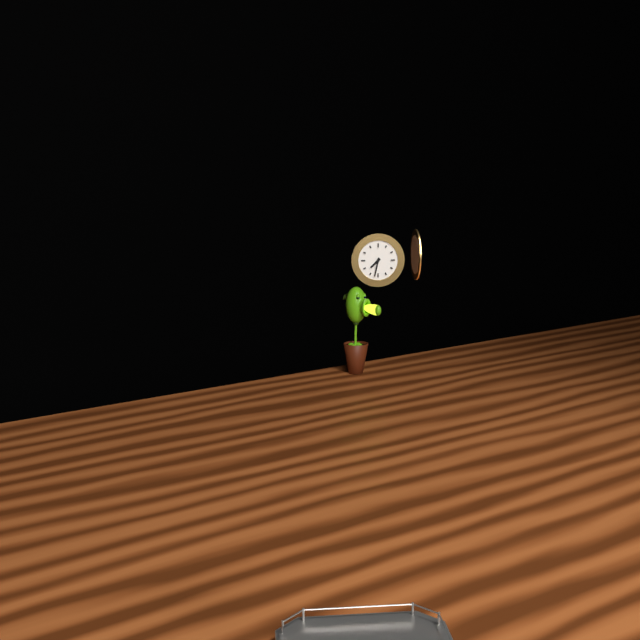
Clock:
7:32
